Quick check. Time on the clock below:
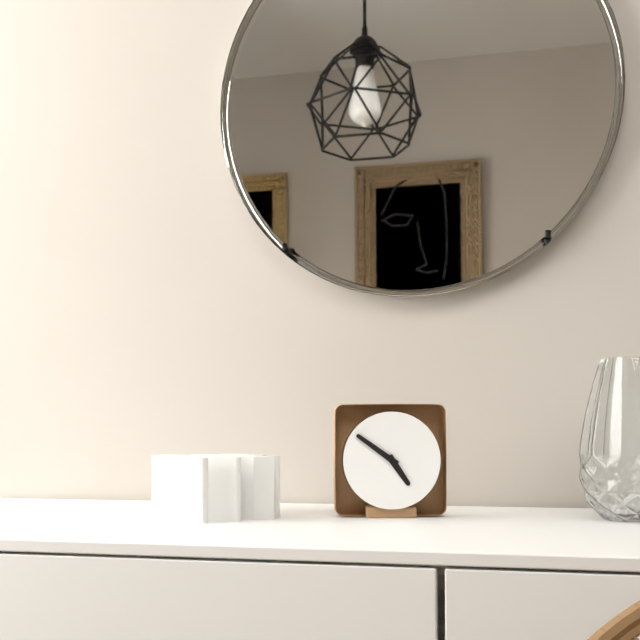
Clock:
4:51
